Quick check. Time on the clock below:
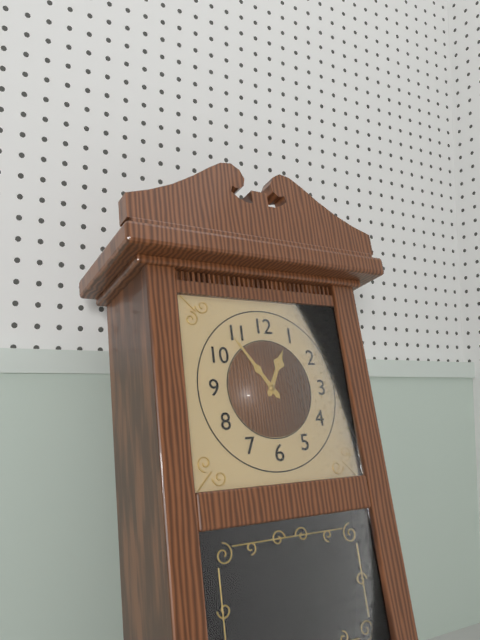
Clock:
12:54
